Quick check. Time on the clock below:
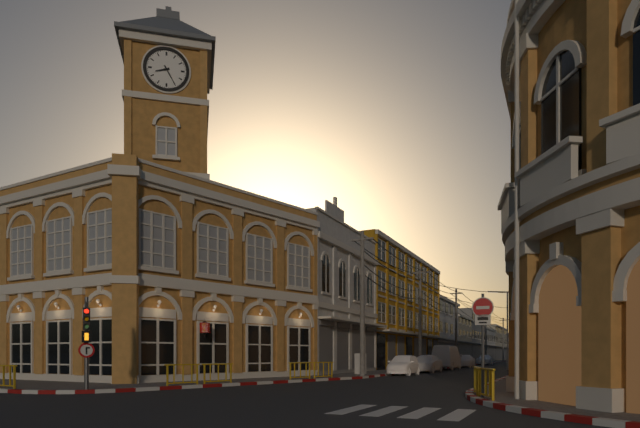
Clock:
8:25
